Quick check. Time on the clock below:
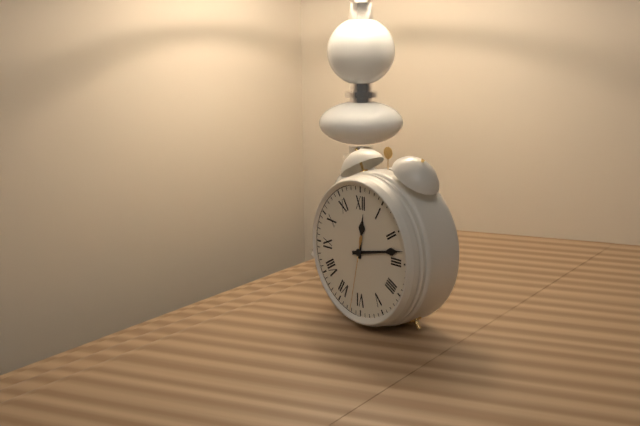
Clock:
12:13:32
